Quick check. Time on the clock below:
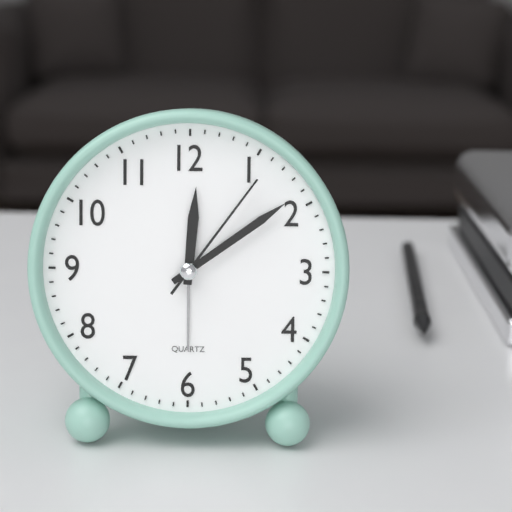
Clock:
12:09:06
